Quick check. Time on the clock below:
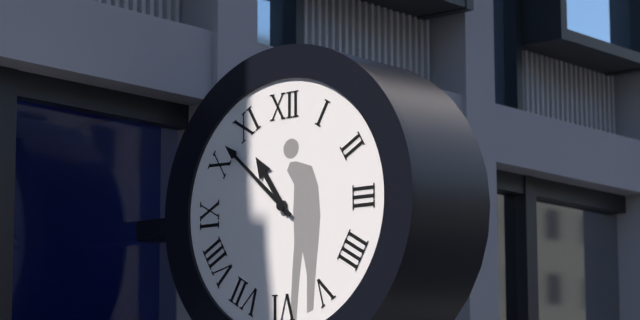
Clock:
10:52
